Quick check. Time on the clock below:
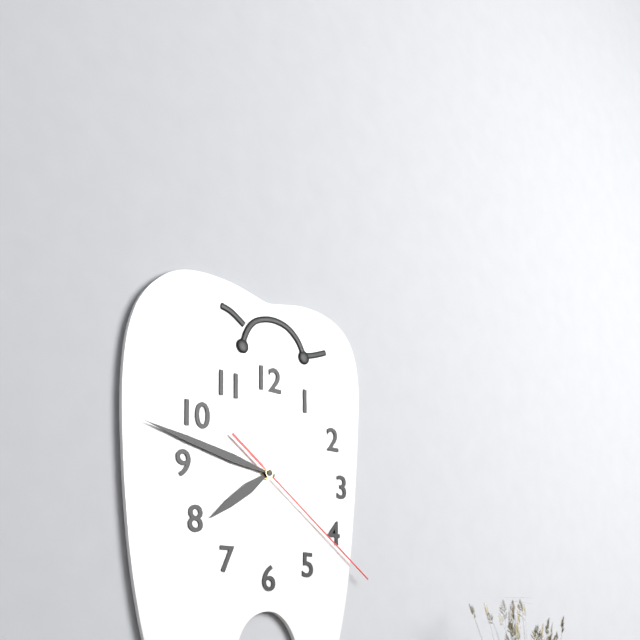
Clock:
7:47:21
